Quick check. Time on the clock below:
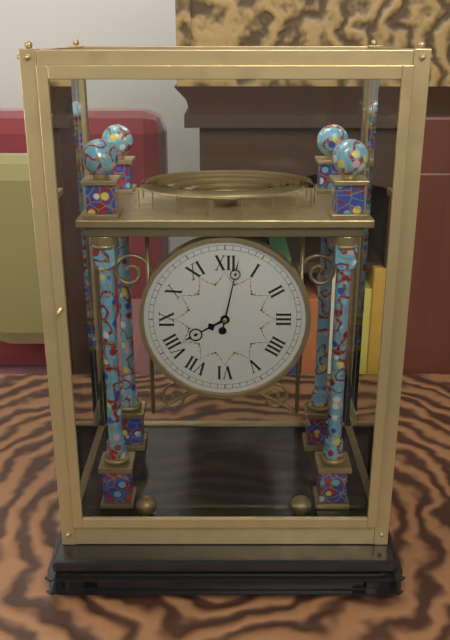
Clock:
8:02
